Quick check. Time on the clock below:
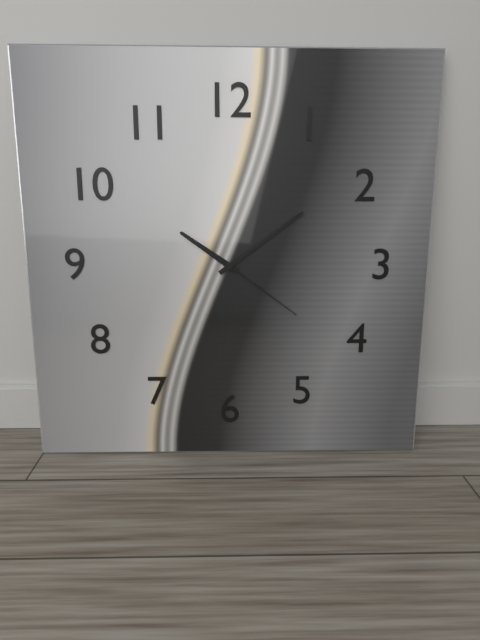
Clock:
10:09:21
